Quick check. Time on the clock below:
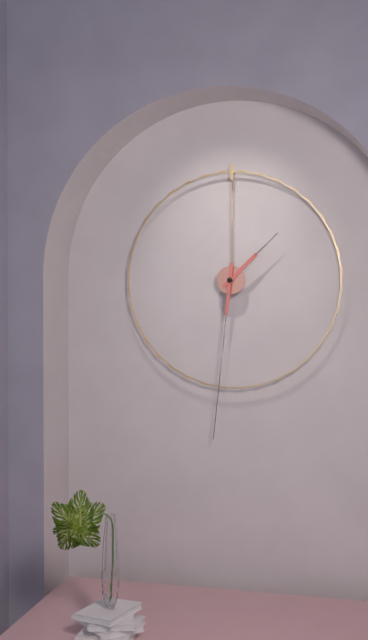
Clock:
1:31
